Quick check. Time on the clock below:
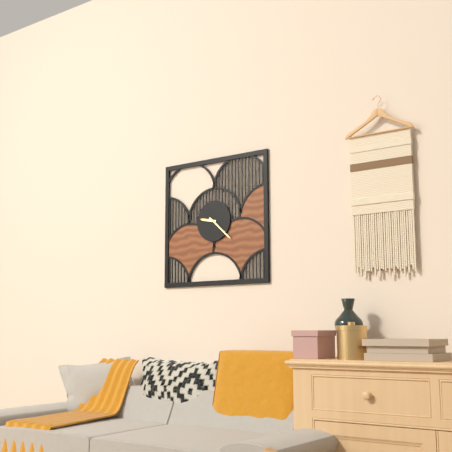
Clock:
9:22
